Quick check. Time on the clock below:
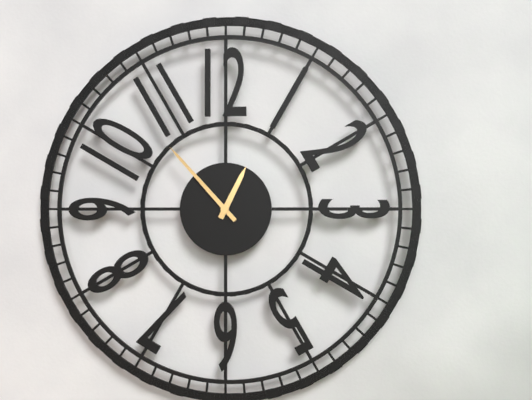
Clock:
12:53
